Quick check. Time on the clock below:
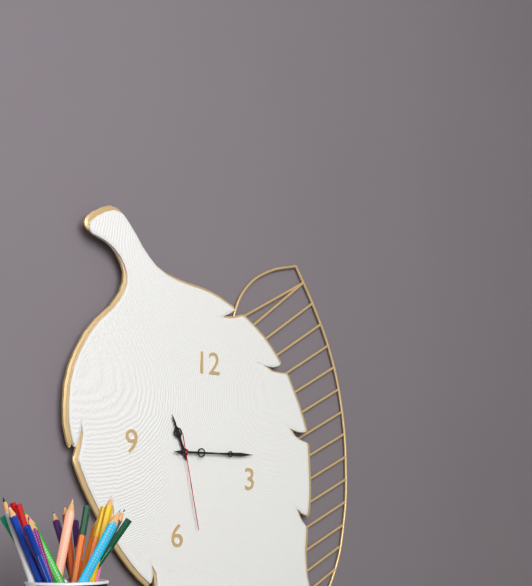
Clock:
11:15:28
